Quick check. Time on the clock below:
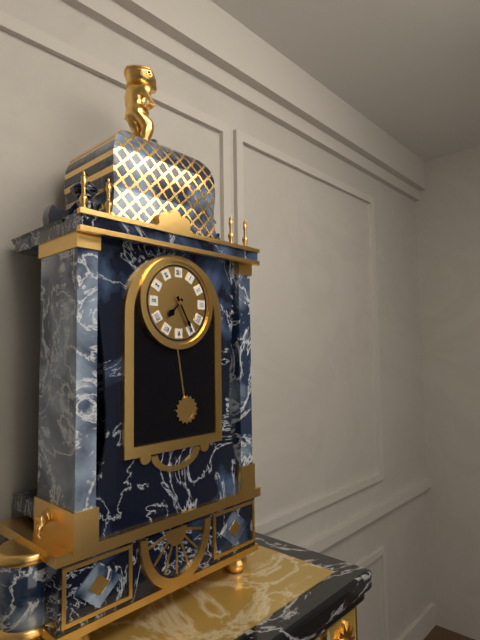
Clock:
7:25
